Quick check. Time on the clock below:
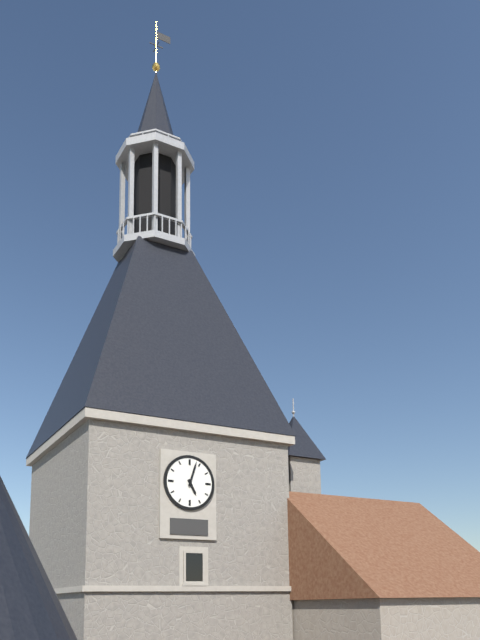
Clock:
5:03
